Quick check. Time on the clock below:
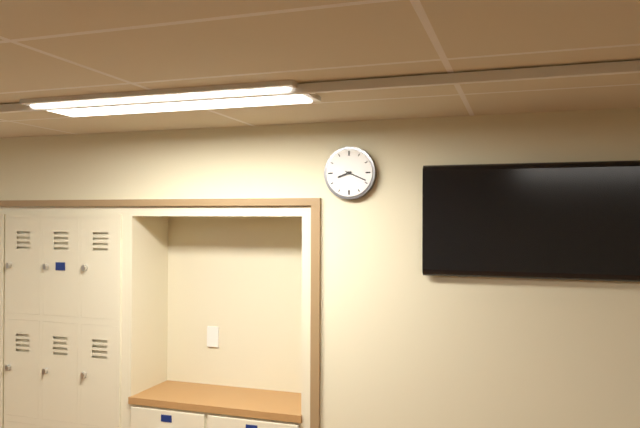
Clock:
8:19
